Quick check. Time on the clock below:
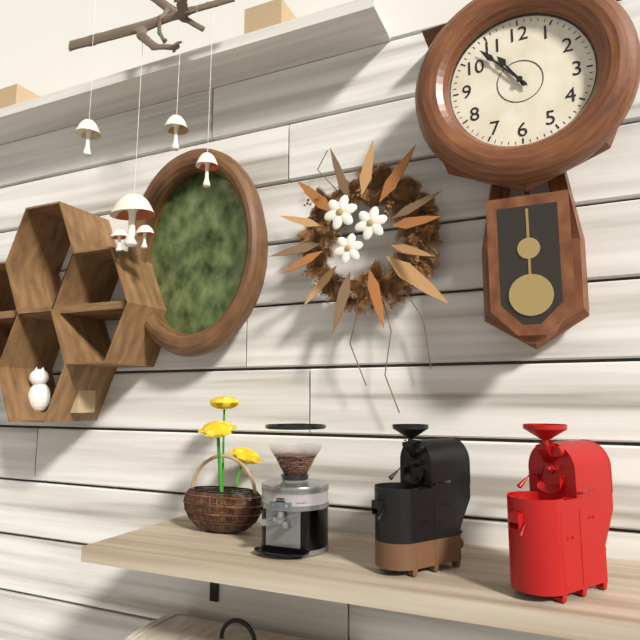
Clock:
10:53
